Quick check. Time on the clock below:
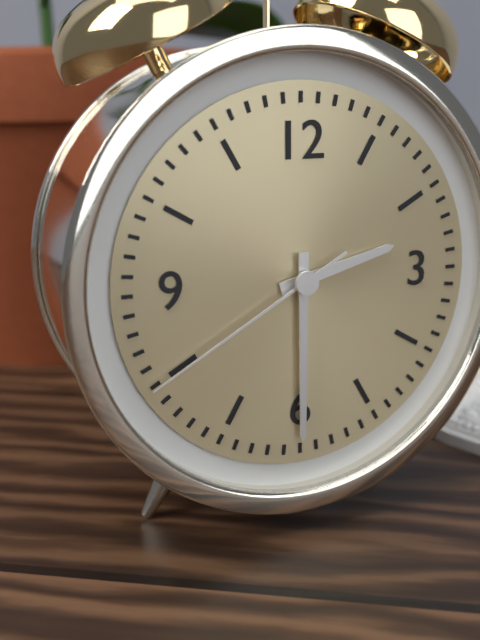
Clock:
2:30:40
